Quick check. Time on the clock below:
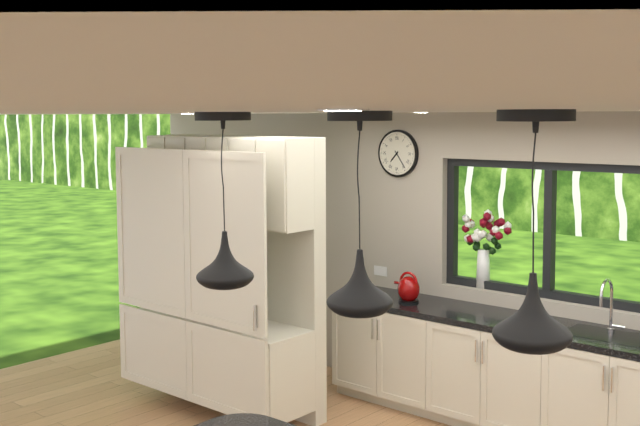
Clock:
7:24
